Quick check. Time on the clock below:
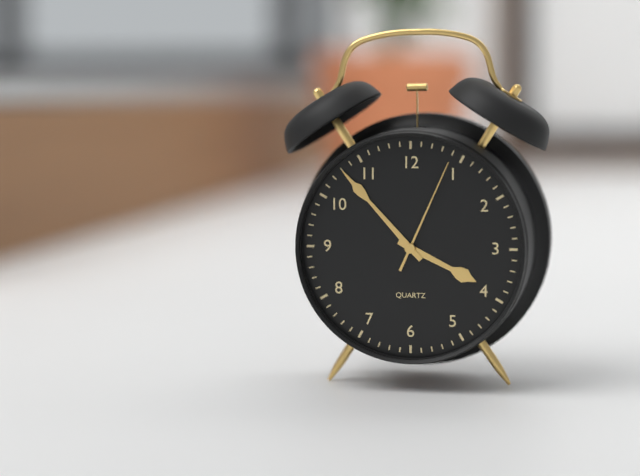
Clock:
3:53:04
